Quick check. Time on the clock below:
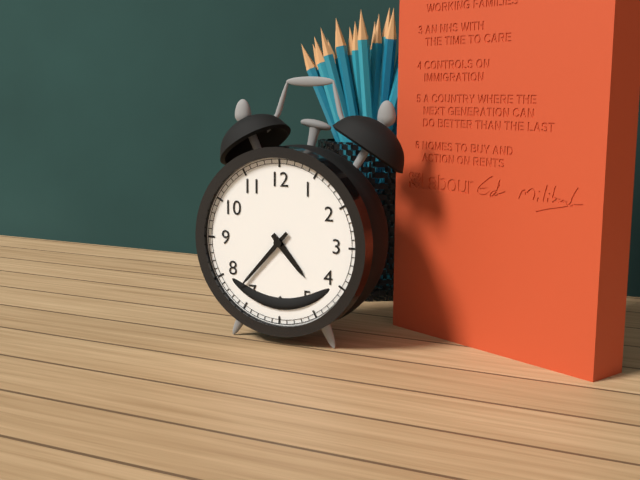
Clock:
4:37
